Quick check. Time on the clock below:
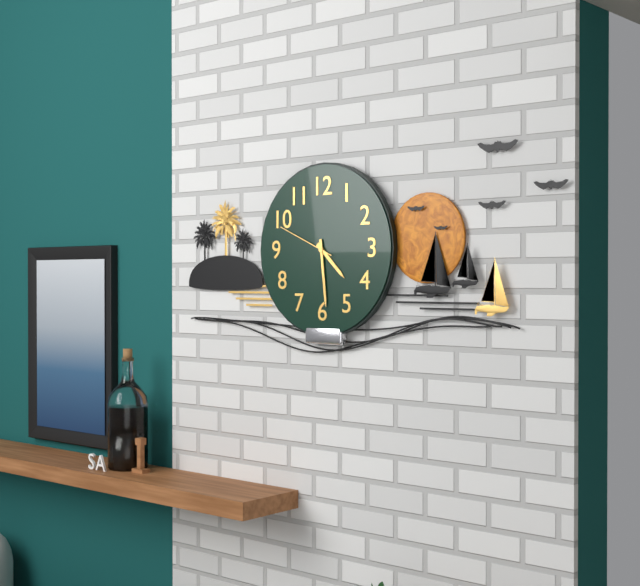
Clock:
4:29:49
